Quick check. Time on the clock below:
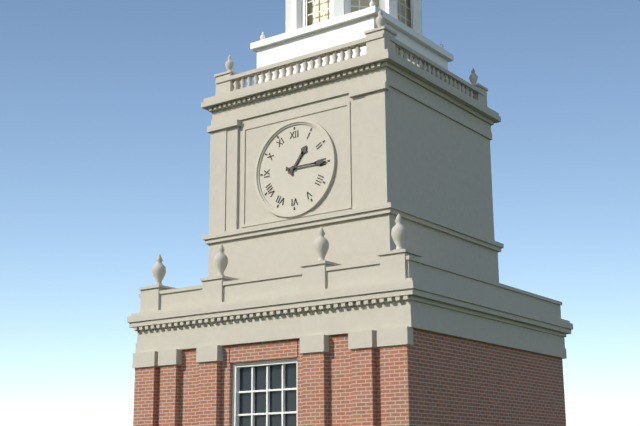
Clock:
1:15
